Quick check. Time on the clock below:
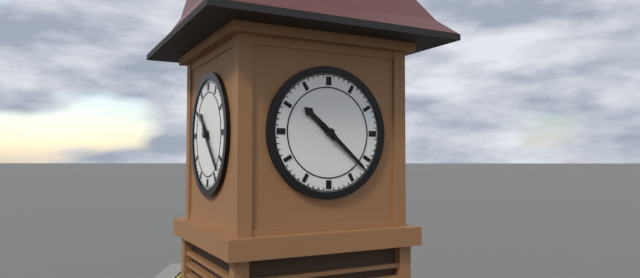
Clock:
10:22
